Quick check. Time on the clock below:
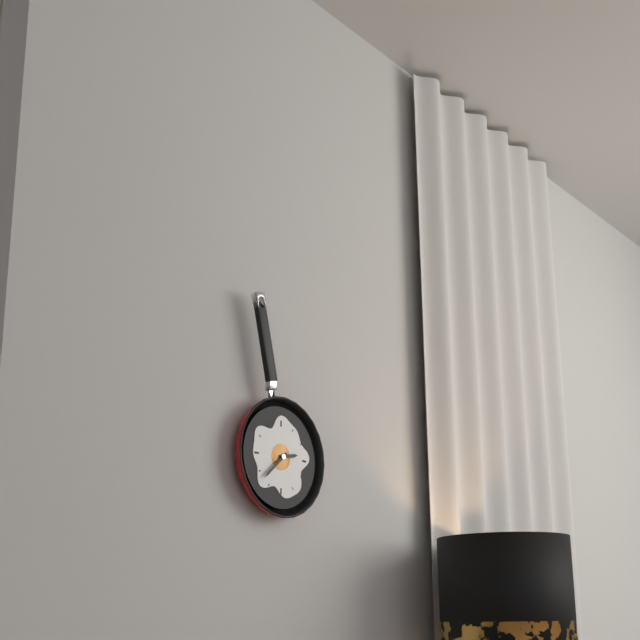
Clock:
2:38
